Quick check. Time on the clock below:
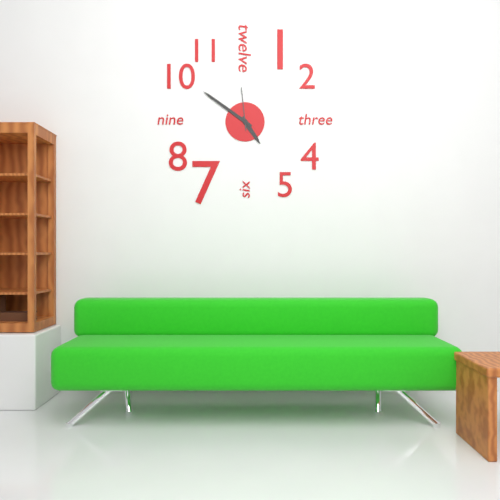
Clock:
4:51
